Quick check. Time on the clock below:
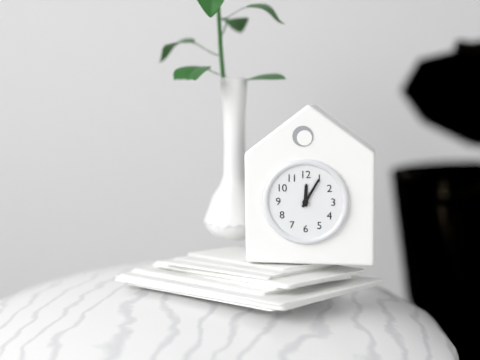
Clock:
12:05
